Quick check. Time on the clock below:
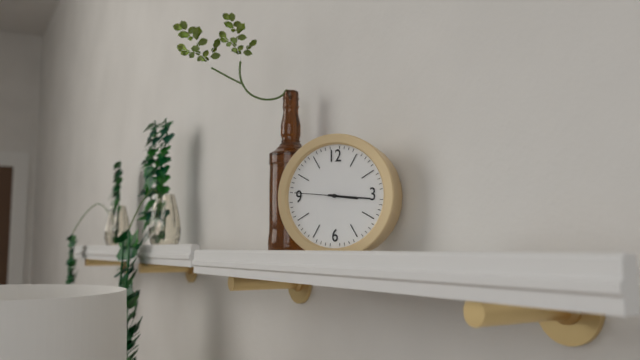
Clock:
3:16:46
